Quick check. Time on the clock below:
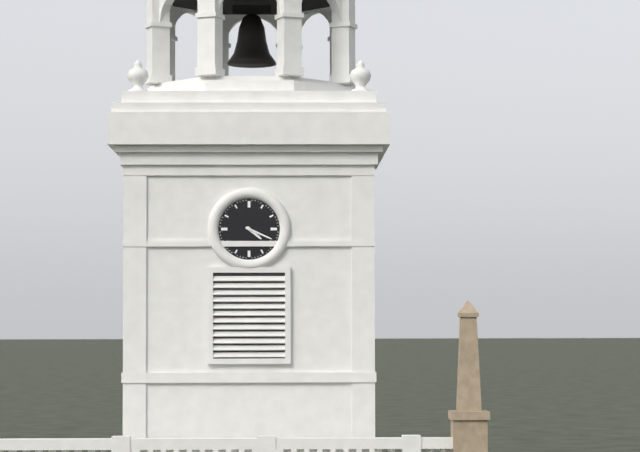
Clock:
4:19
